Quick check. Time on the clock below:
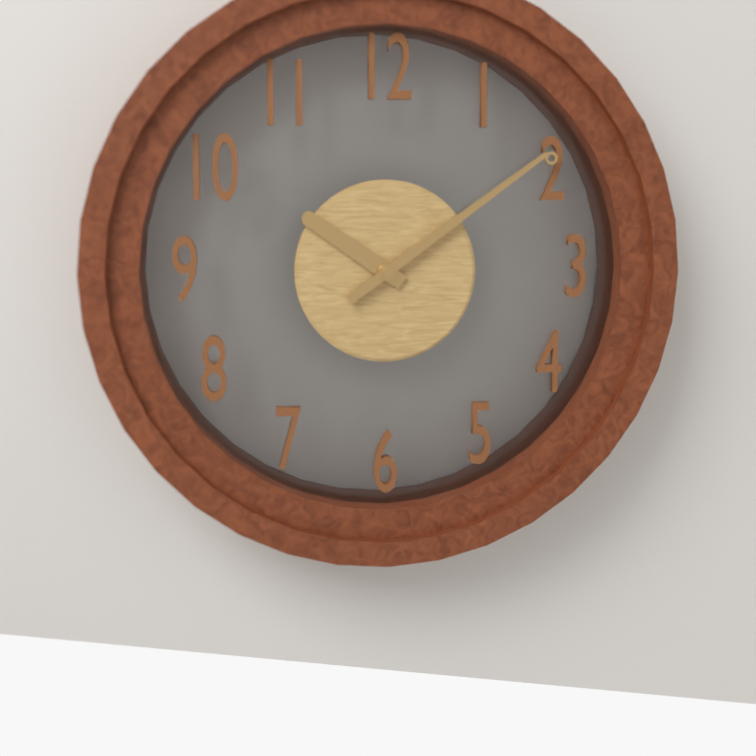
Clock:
10:09
